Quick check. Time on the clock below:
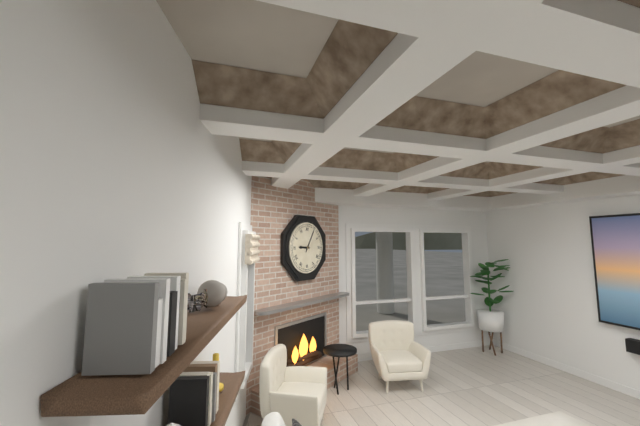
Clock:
9:05
